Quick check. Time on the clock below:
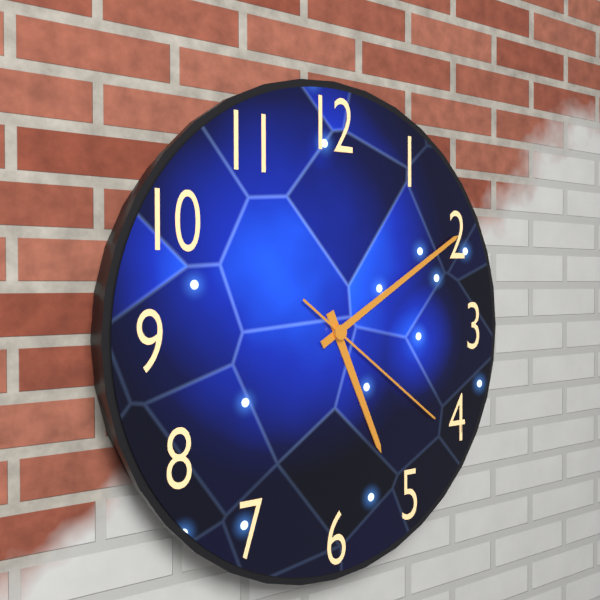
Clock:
5:10:21
